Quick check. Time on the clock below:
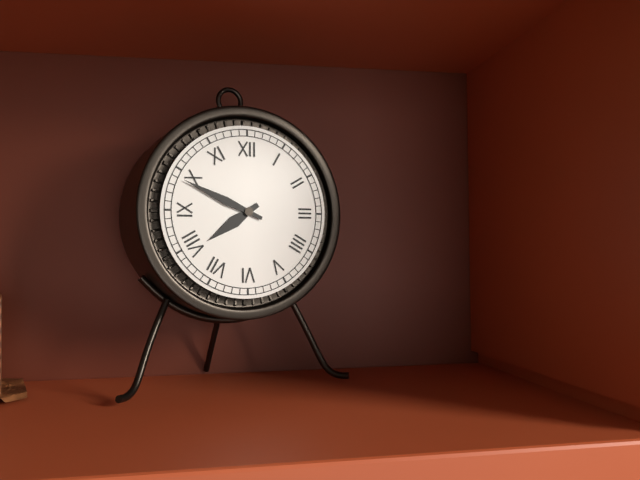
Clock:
7:49
